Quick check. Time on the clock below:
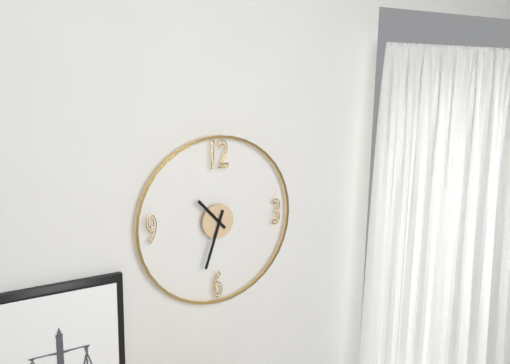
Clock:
10:33
